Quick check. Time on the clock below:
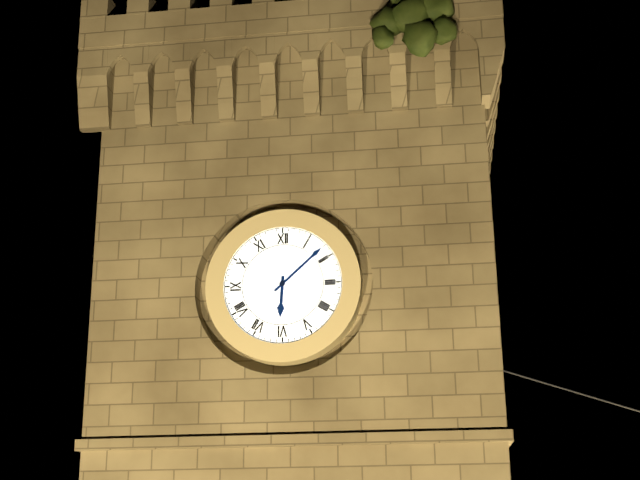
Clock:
6:08
